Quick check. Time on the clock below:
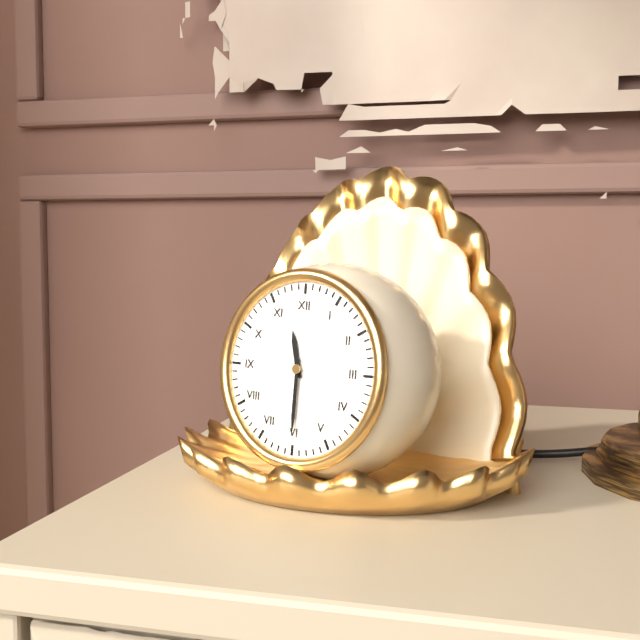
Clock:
11:30
